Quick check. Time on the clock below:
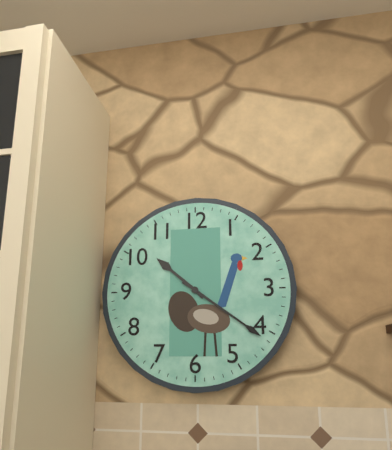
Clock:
10:21
